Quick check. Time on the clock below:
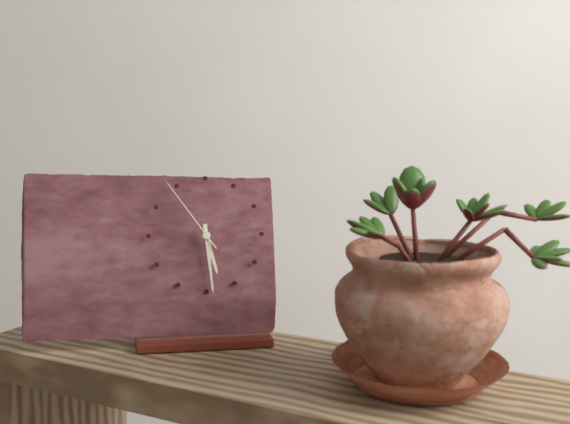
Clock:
5:29:54
